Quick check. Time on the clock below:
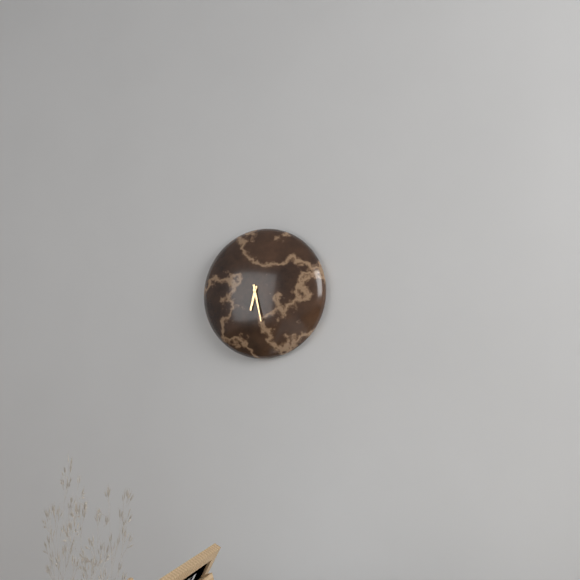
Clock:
6:28
